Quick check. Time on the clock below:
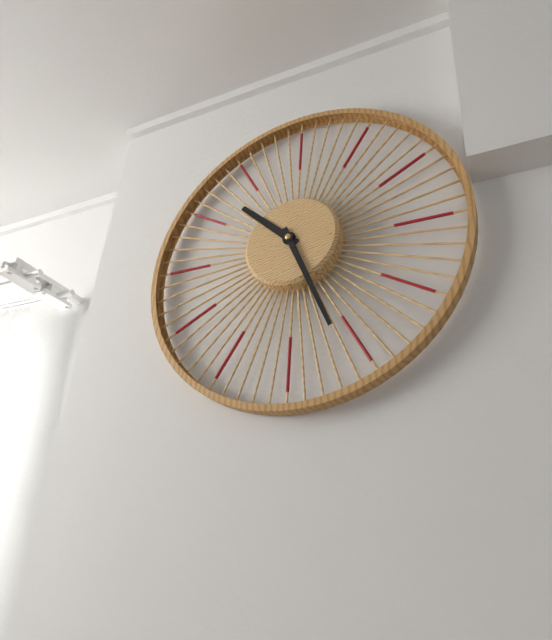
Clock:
10:26
